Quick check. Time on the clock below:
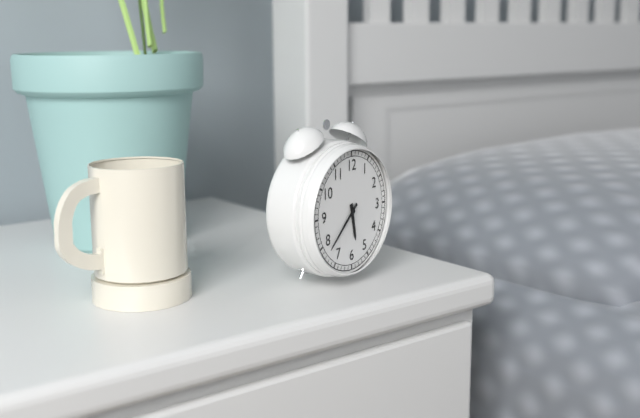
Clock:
5:38
